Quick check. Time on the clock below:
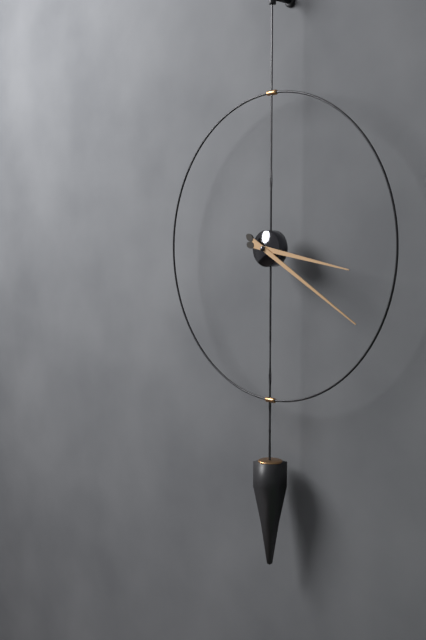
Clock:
3:20
